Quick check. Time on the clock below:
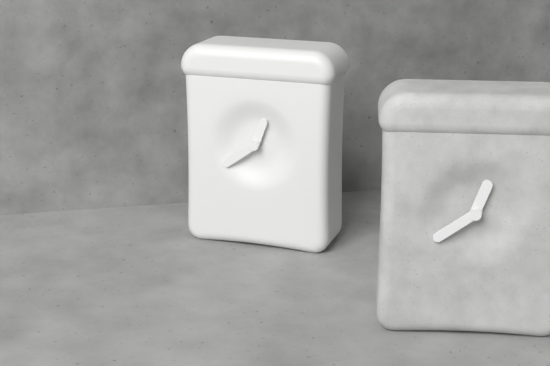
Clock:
12:39
